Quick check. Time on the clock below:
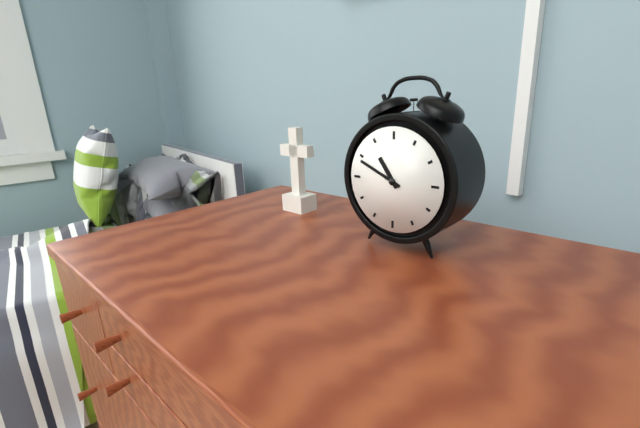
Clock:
10:49
